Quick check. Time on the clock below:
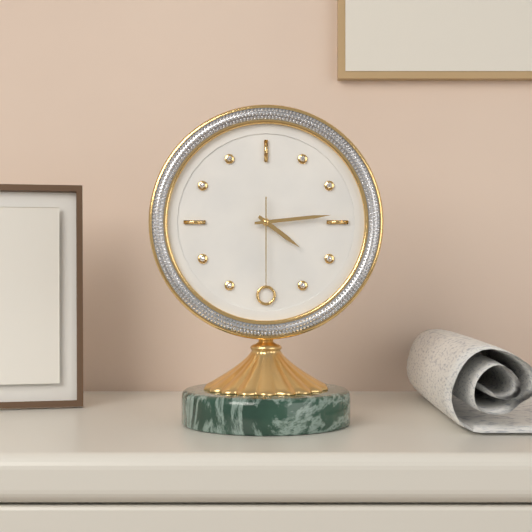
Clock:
4:14:30
